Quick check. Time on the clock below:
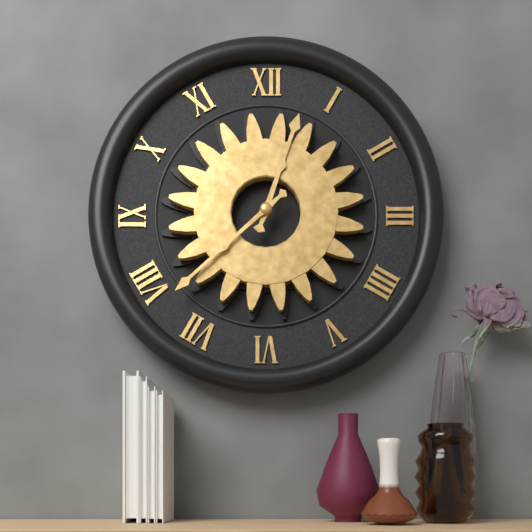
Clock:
12:38
